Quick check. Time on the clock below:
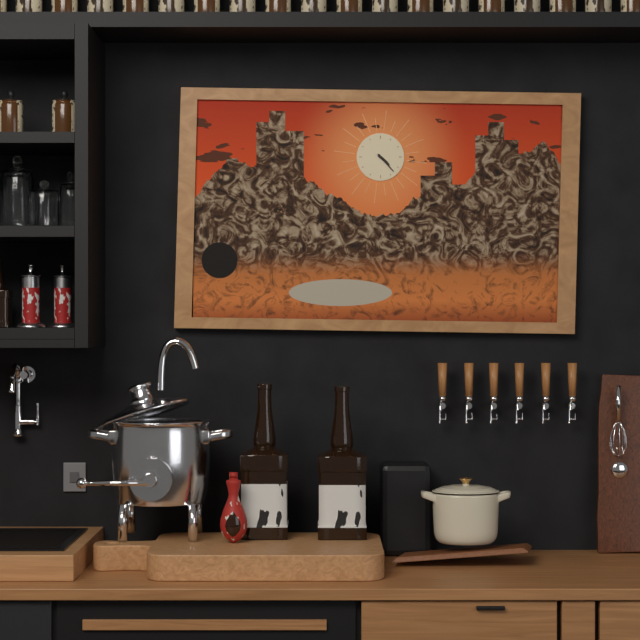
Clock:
4:23
